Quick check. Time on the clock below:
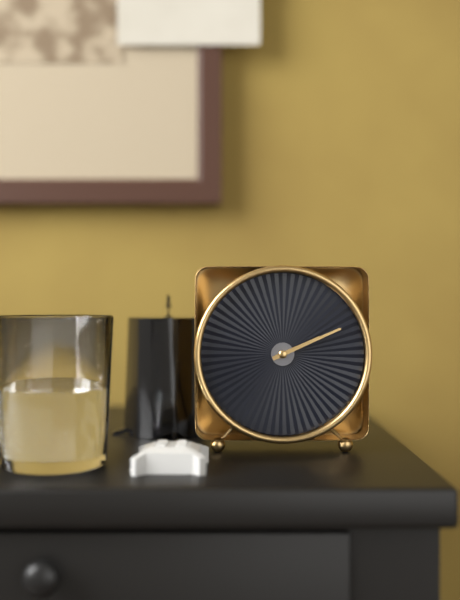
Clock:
2:11
